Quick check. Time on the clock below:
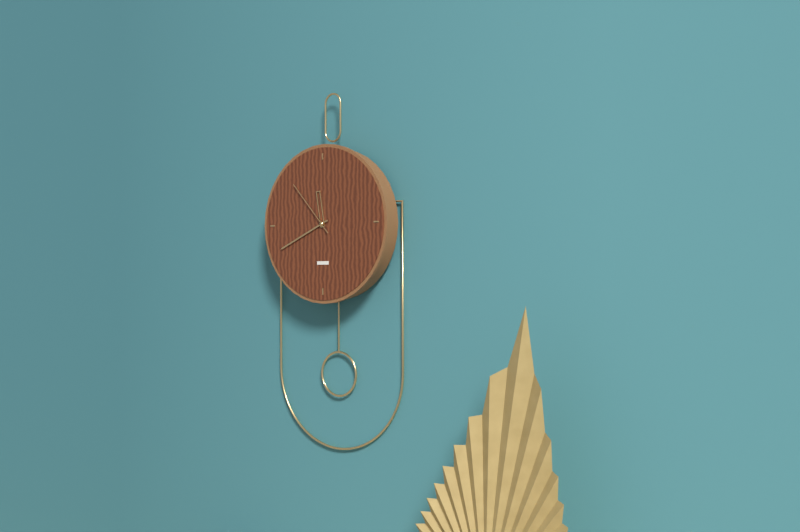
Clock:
11:41:53
